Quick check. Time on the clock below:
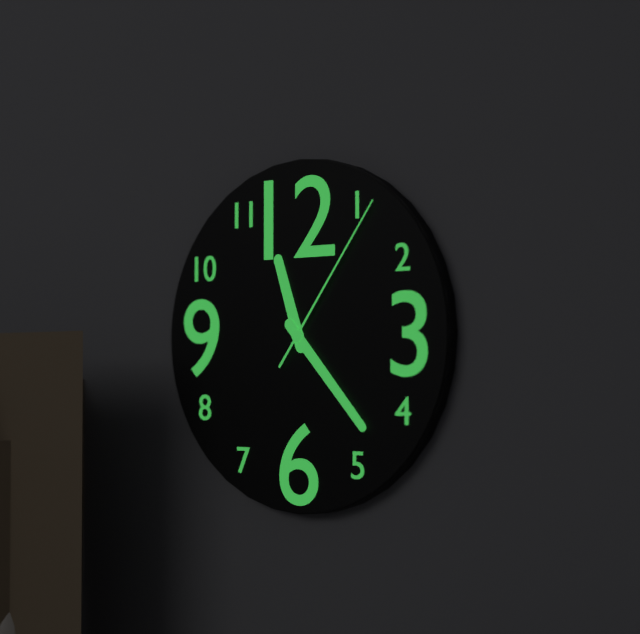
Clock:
11:23:06
